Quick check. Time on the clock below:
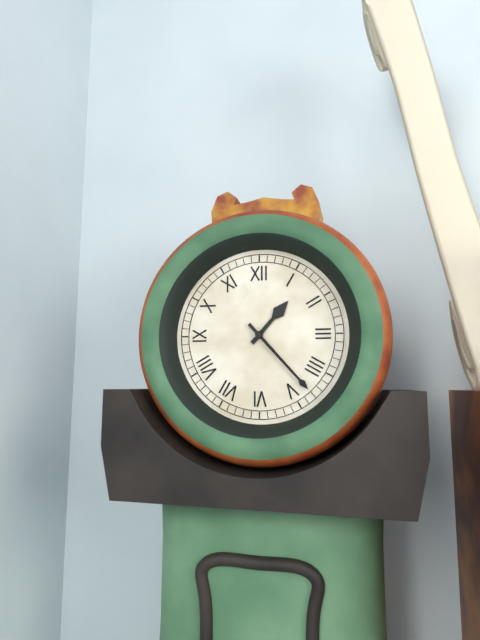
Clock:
1:23
